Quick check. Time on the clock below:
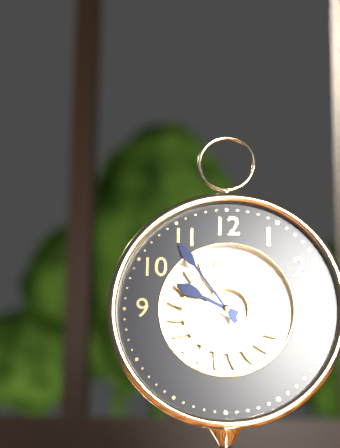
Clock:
9:54
